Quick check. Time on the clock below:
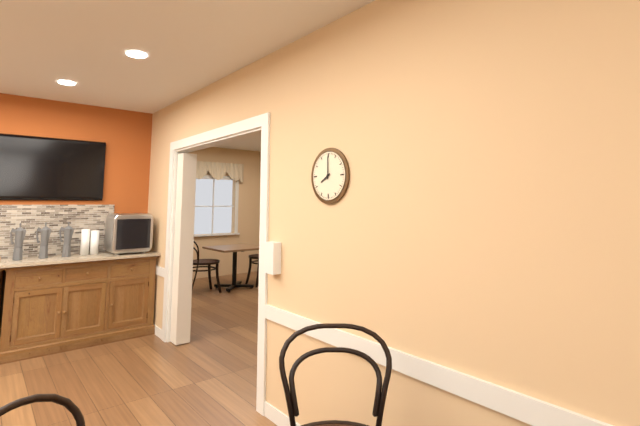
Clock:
8:00
